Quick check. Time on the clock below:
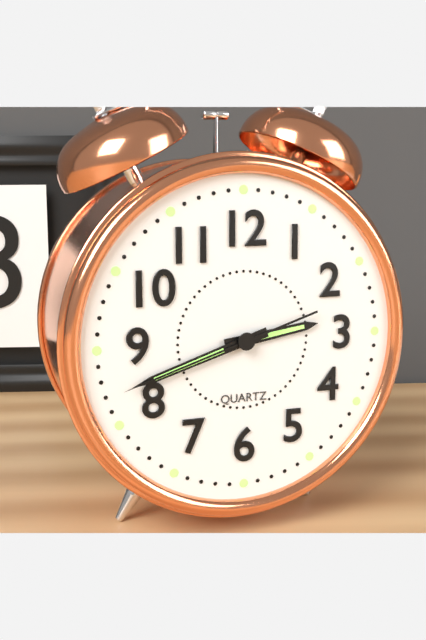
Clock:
2:42:42
